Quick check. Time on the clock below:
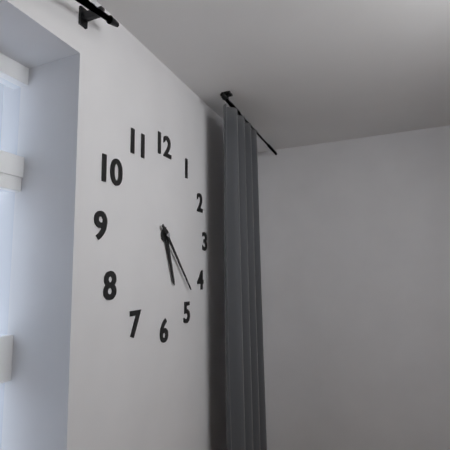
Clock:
5:23
